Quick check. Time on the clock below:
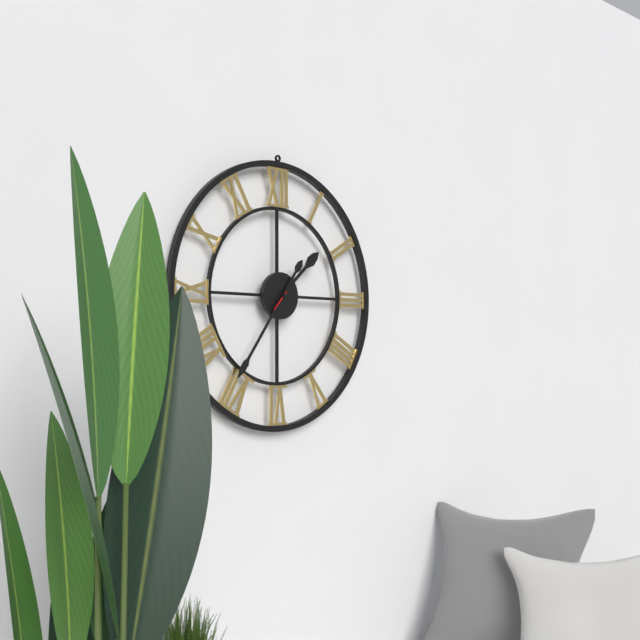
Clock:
1:36
